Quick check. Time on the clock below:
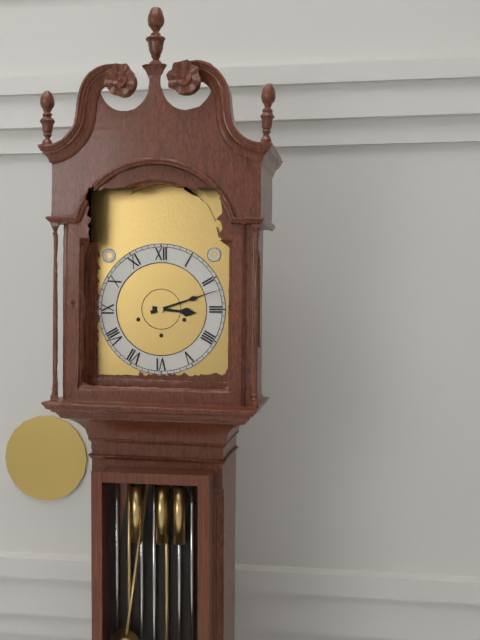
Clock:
3:12
